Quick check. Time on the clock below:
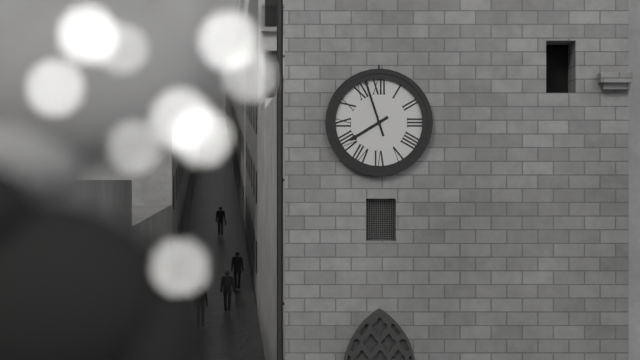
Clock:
7:57
